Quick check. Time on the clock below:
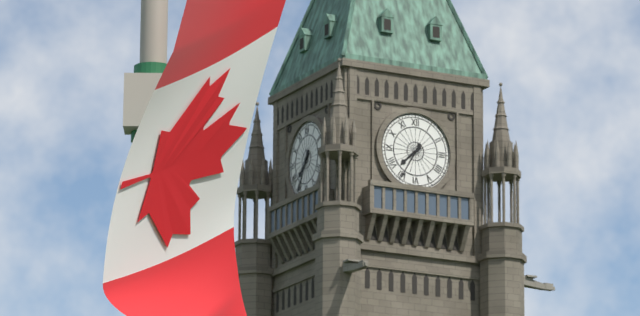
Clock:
7:35
